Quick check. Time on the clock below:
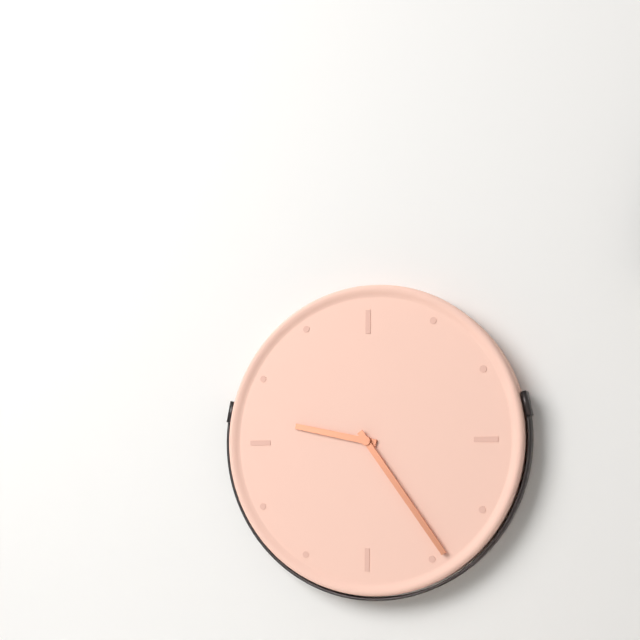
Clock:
9:24
